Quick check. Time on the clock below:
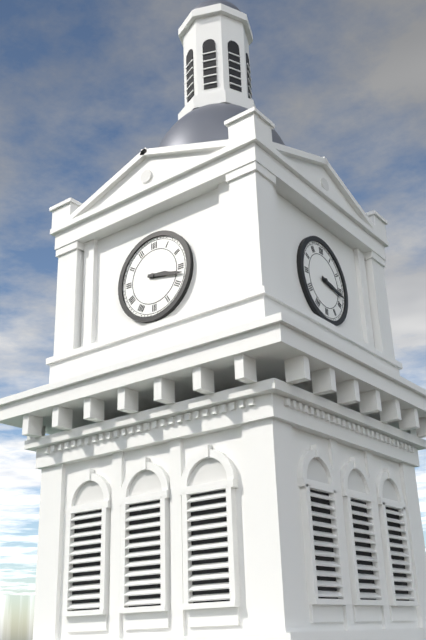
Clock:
3:17
